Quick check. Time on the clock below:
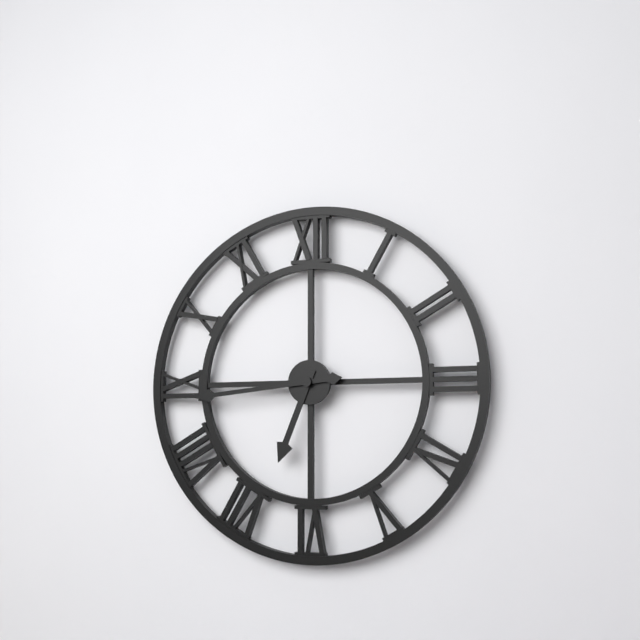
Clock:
6:44
